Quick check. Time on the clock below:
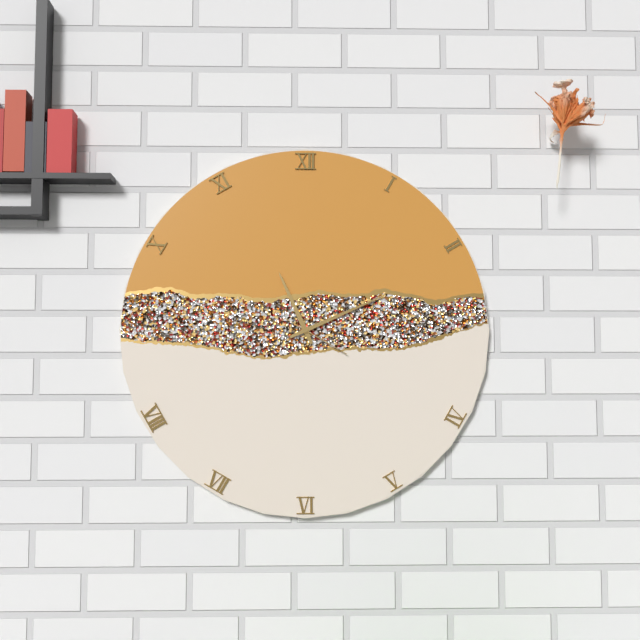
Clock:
11:11:20
